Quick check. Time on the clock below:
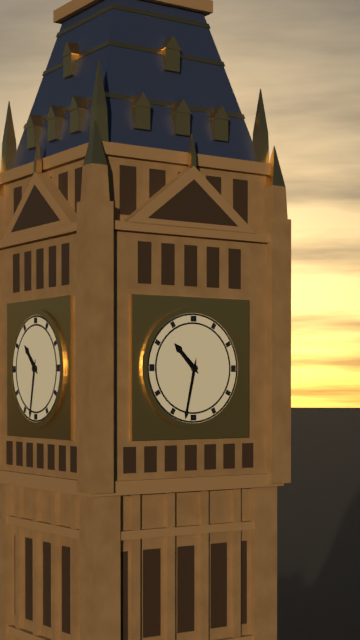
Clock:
10:32
